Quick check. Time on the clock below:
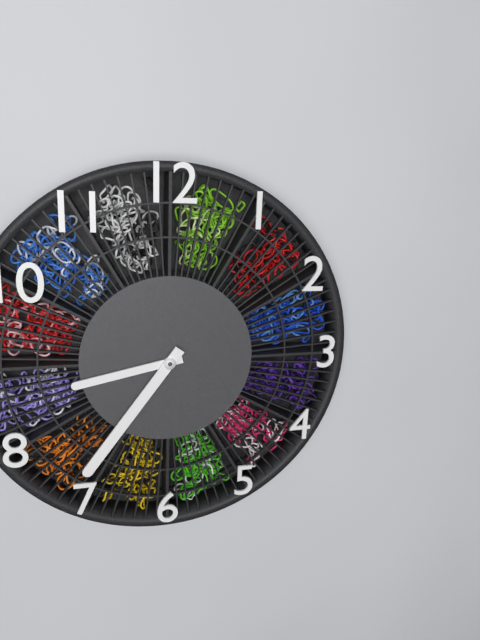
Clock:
8:36
